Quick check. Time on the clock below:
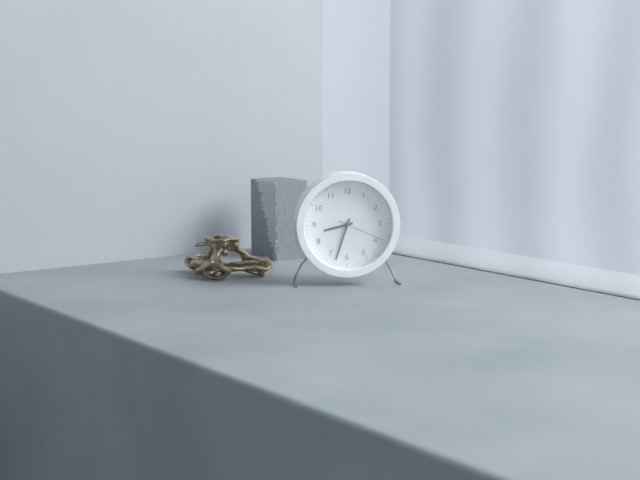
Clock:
8:33
